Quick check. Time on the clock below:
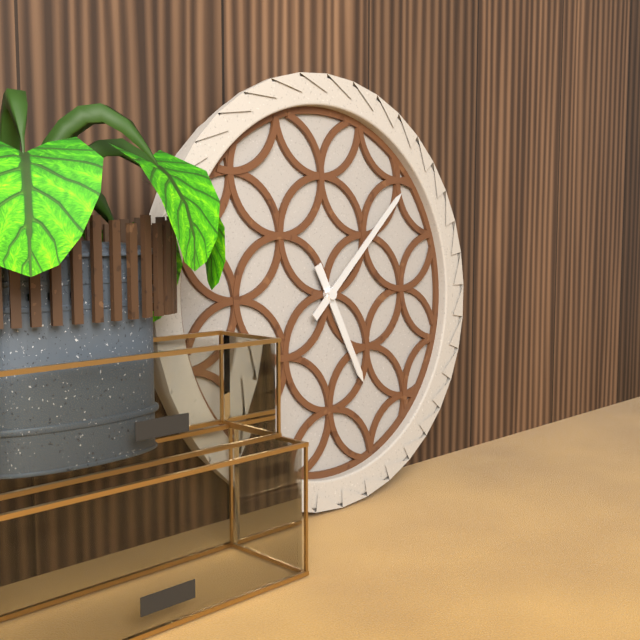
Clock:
5:08
